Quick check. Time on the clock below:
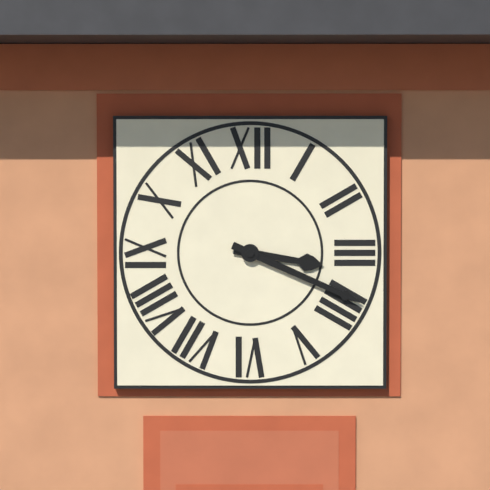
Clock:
3:19
